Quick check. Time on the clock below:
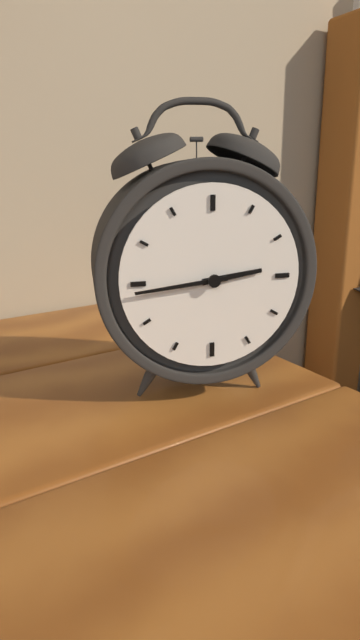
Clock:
2:44
